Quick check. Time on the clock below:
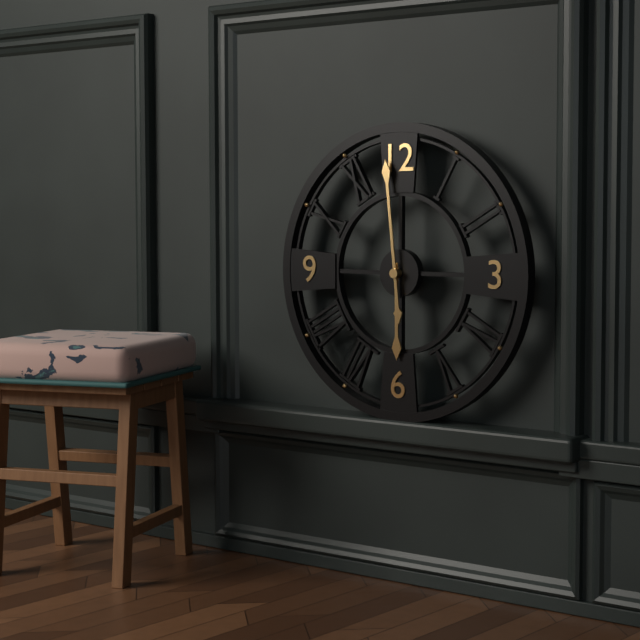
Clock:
5:59
